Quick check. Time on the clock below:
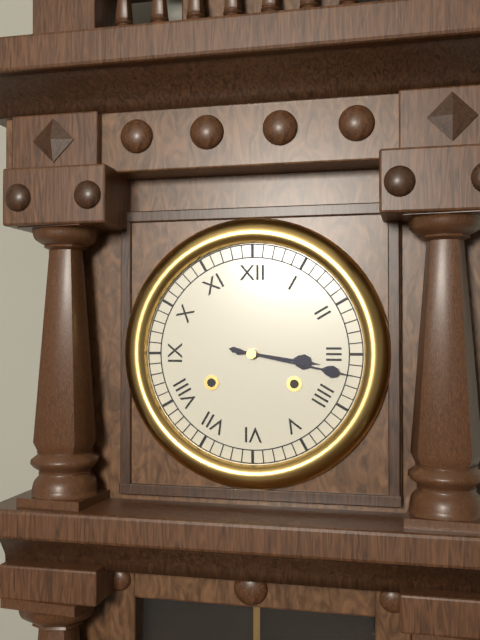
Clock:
3:17
